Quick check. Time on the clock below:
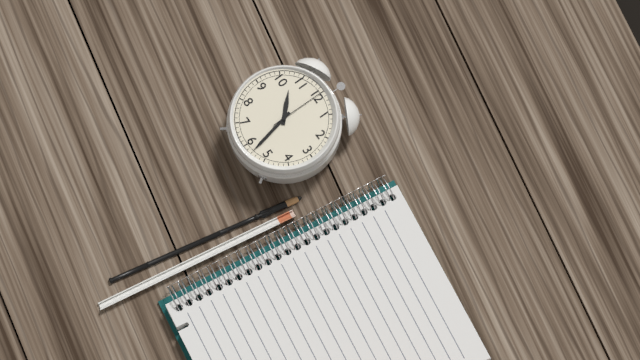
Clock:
10:28:00
